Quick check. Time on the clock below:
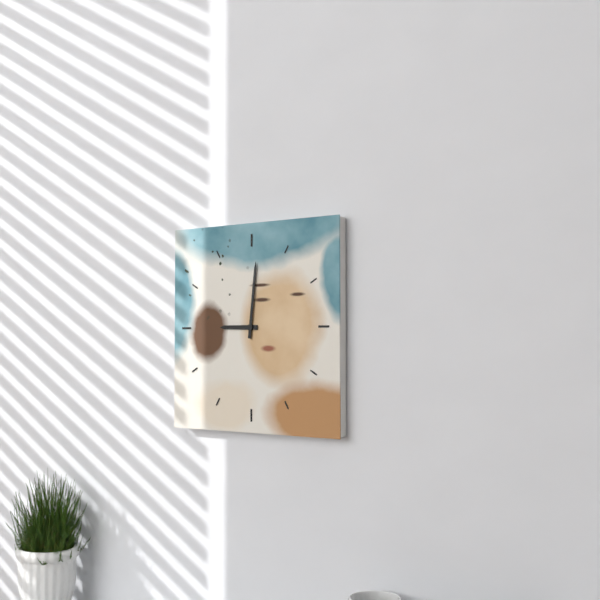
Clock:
9:01
